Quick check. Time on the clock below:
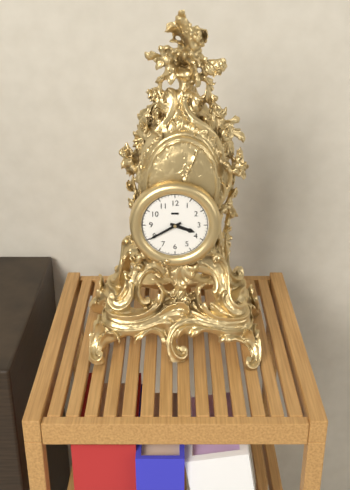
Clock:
3:40
